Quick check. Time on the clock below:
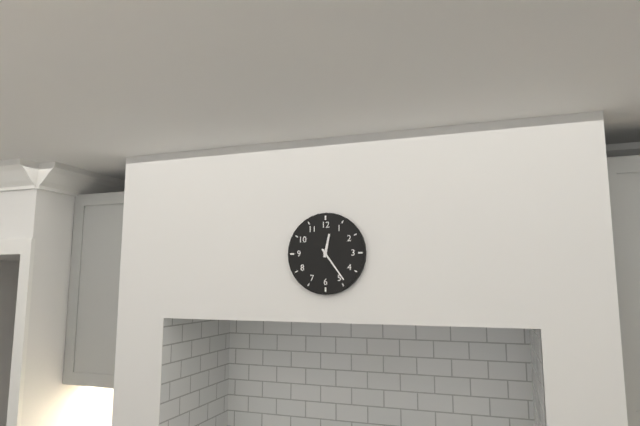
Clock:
12:24
